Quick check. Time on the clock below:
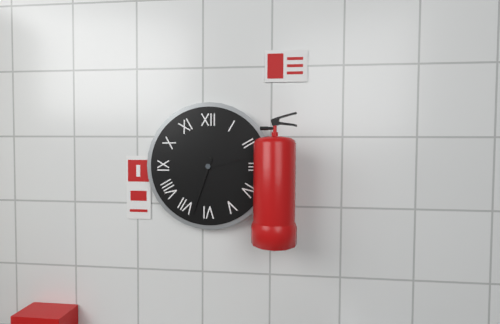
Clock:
2:33
